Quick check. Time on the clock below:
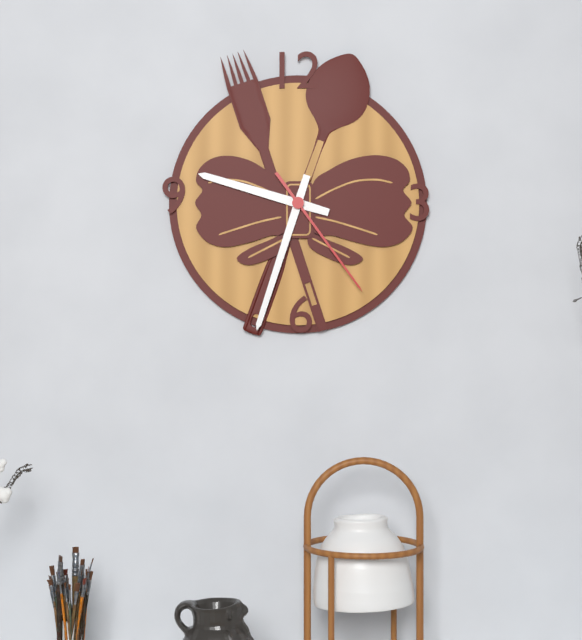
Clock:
9:33:24
